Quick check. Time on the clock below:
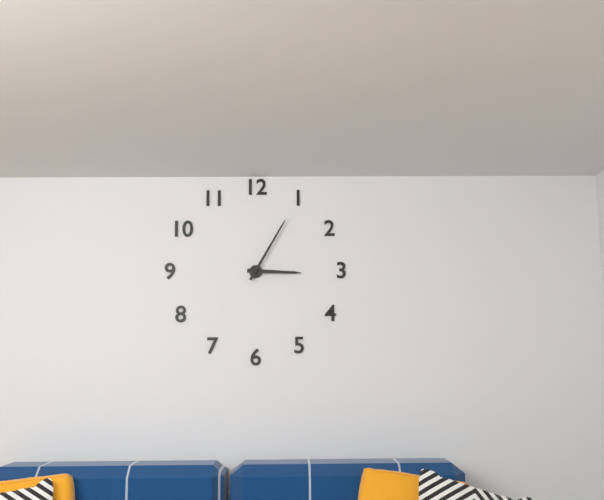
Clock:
3:05
